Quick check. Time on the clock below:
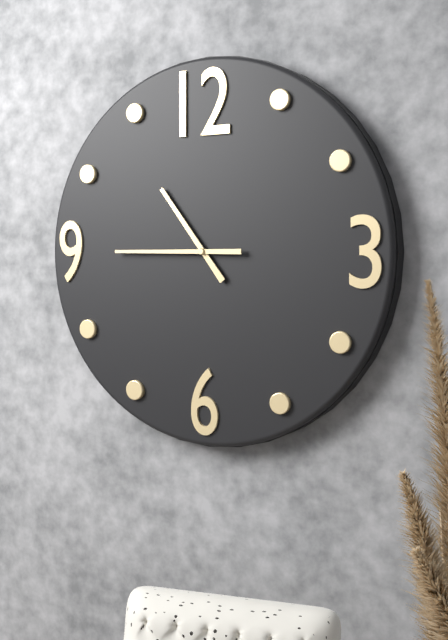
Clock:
10:45
